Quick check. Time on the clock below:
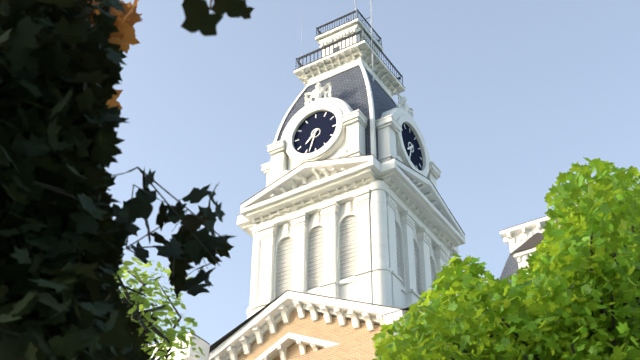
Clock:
7:33
